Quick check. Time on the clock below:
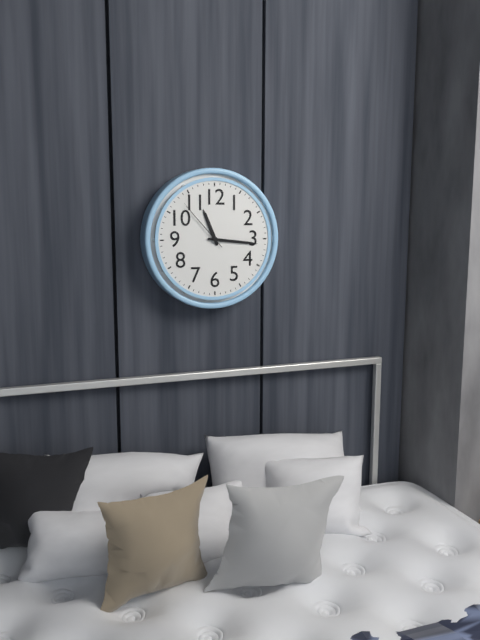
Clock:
11:16:53
